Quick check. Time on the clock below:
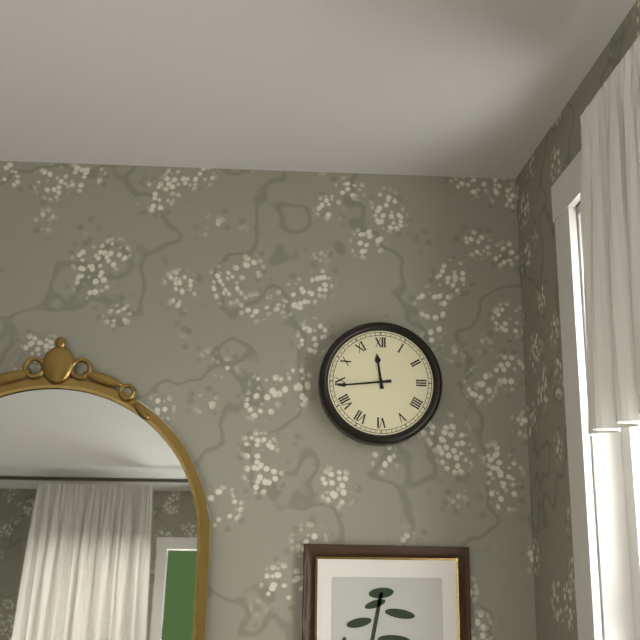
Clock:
11:44
